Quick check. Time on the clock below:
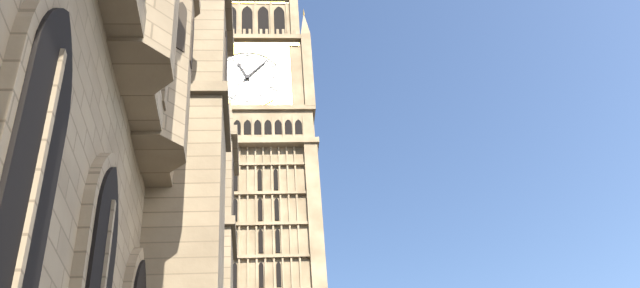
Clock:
11:07
